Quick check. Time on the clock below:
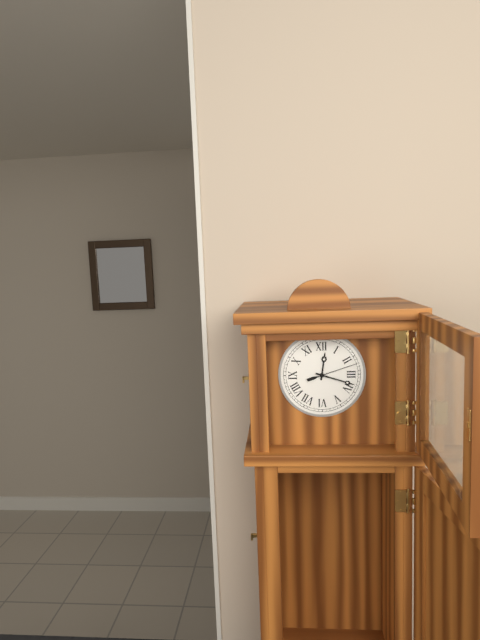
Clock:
12:18
